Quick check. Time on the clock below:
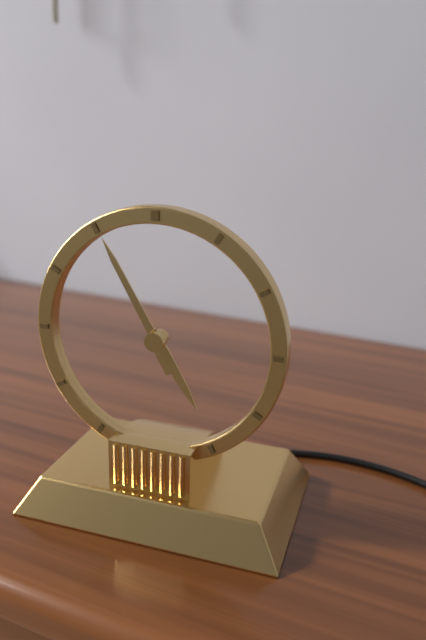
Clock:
4:55
